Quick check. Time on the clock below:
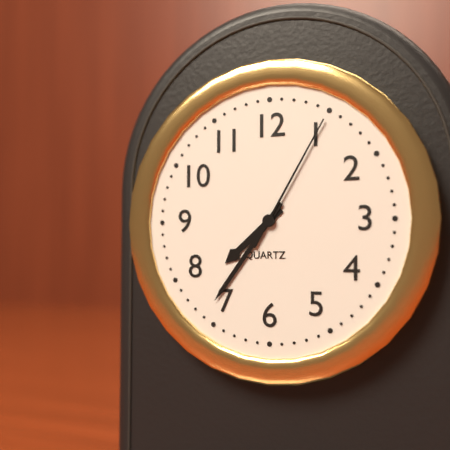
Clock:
7:36:05
